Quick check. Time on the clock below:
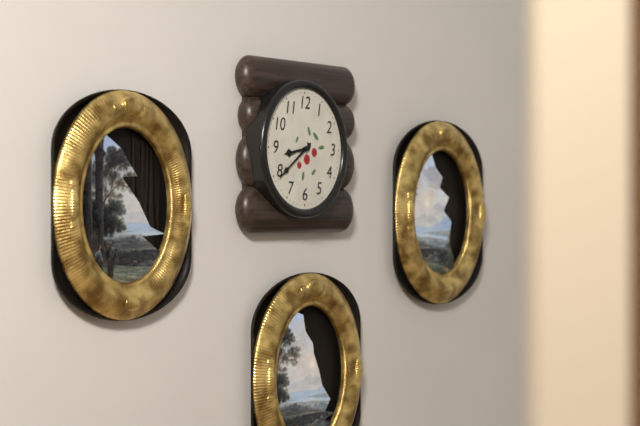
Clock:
8:39
